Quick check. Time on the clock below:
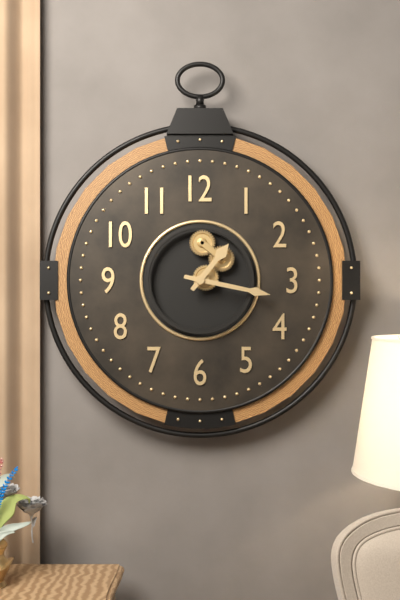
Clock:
1:17
